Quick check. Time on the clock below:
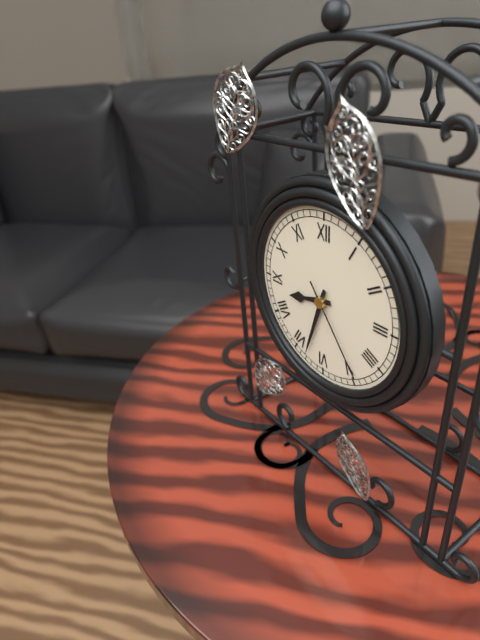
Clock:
8:33:24
